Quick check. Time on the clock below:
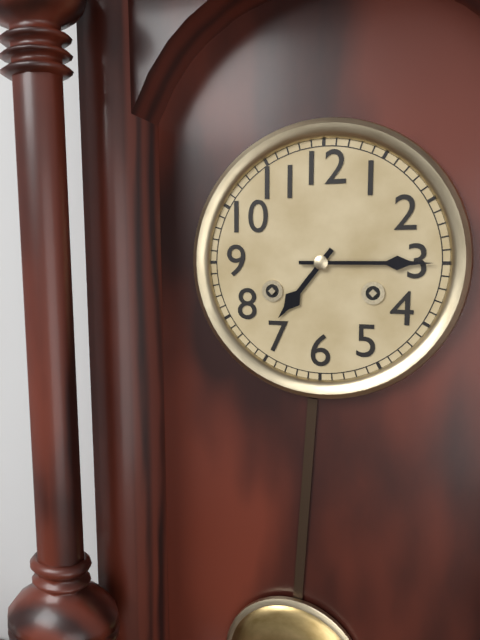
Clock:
7:15
